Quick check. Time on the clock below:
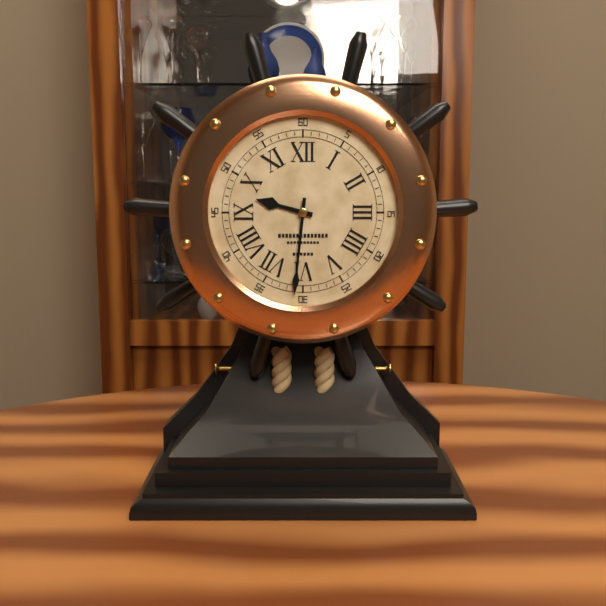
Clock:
9:31
